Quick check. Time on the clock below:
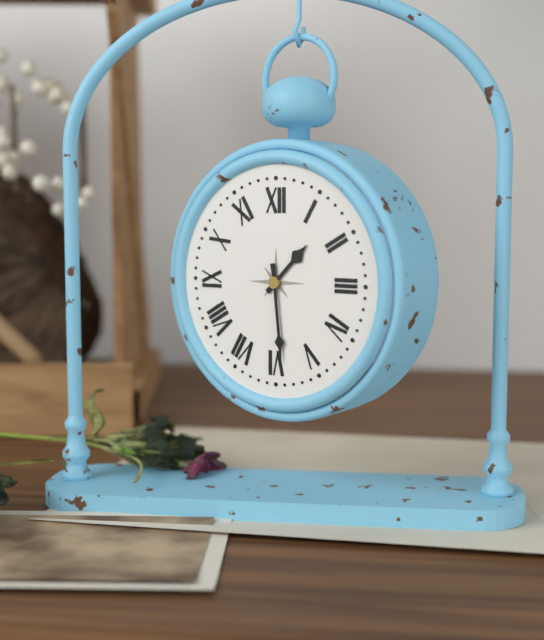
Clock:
1:29
